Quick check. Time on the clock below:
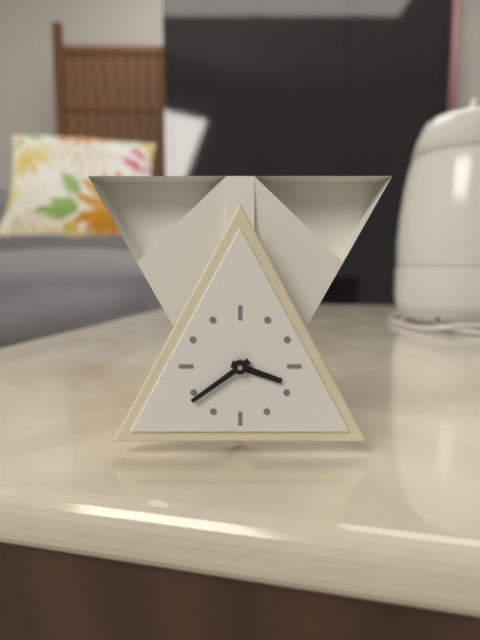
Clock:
3:39
